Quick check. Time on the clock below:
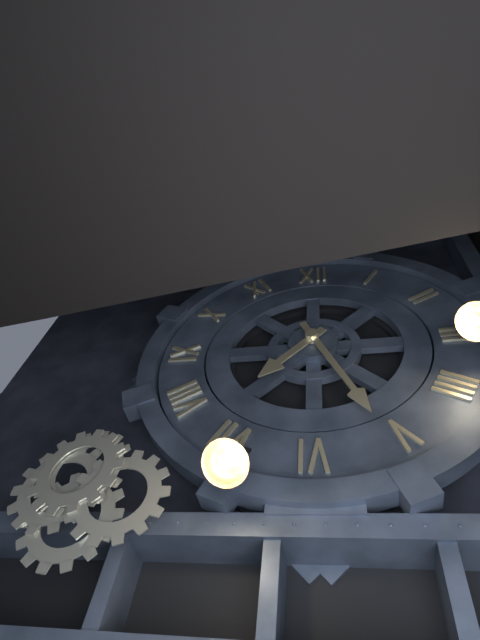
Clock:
7:26
